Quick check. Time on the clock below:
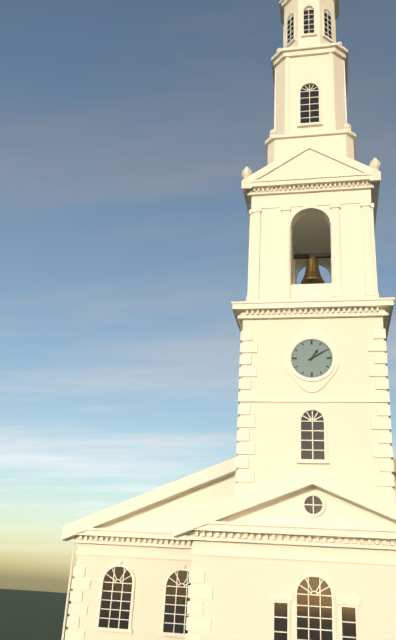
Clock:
1:10
